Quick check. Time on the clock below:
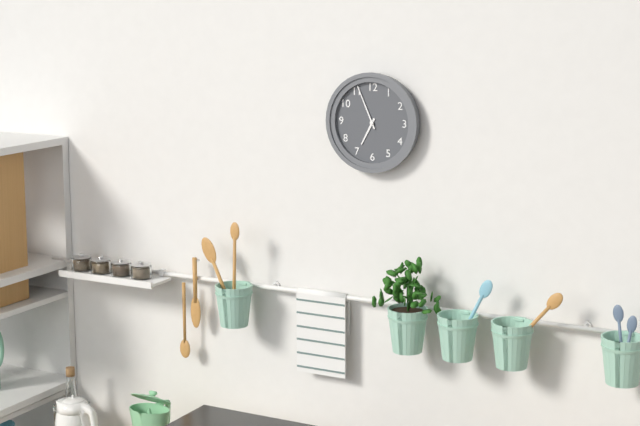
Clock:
6:56
